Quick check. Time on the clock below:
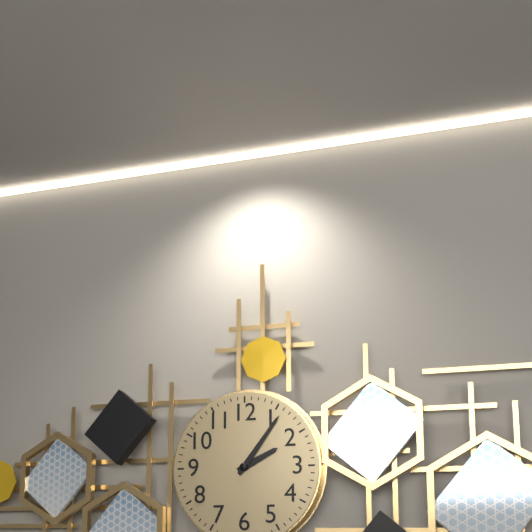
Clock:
2:06
